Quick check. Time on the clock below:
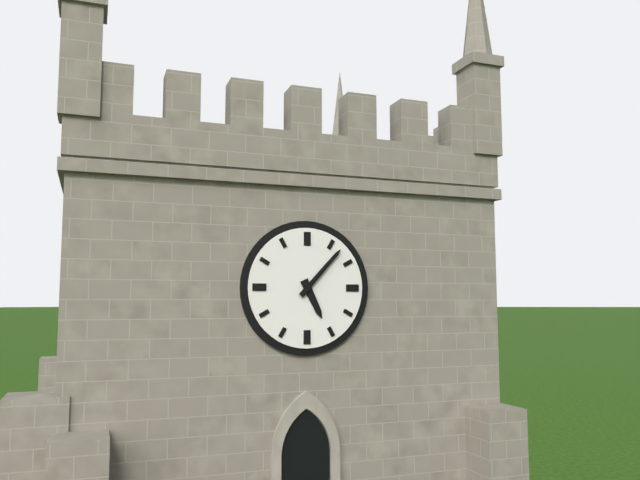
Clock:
5:07
